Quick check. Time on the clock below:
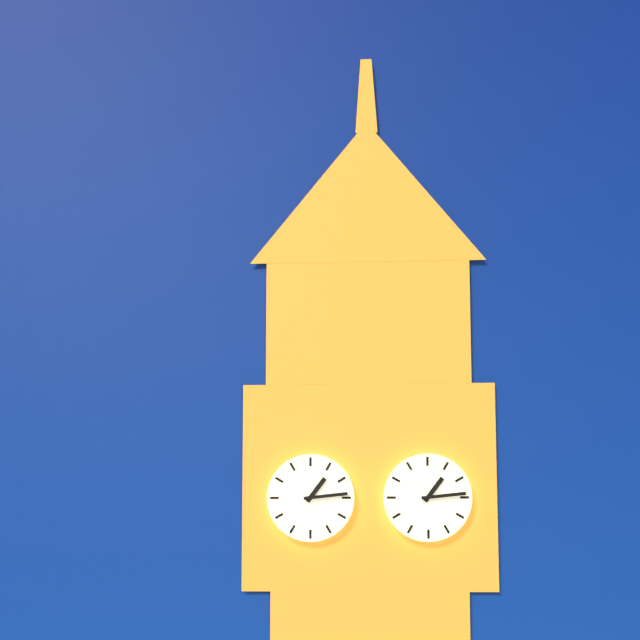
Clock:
1:14
